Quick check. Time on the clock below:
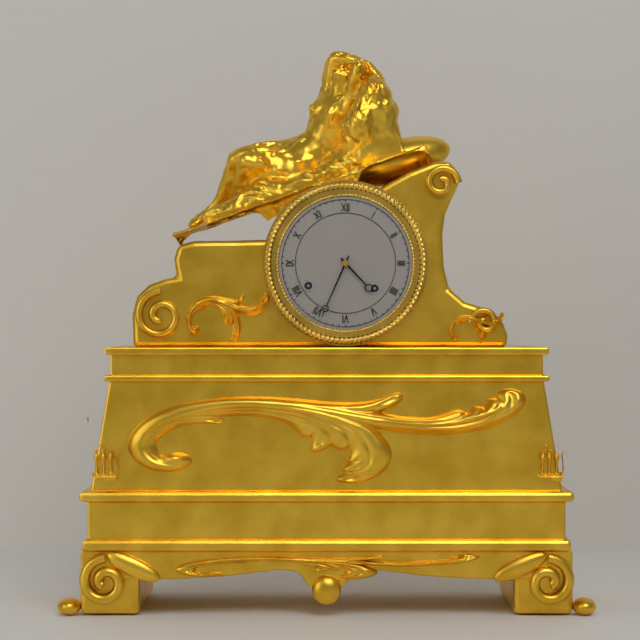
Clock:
4:34
